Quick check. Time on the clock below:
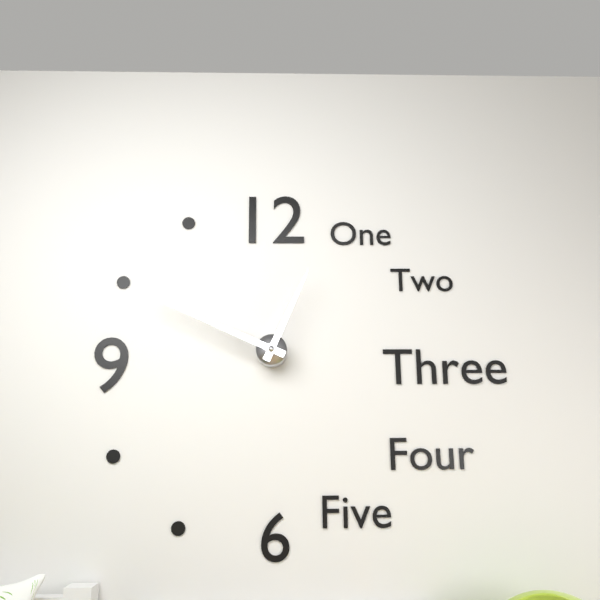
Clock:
12:49
